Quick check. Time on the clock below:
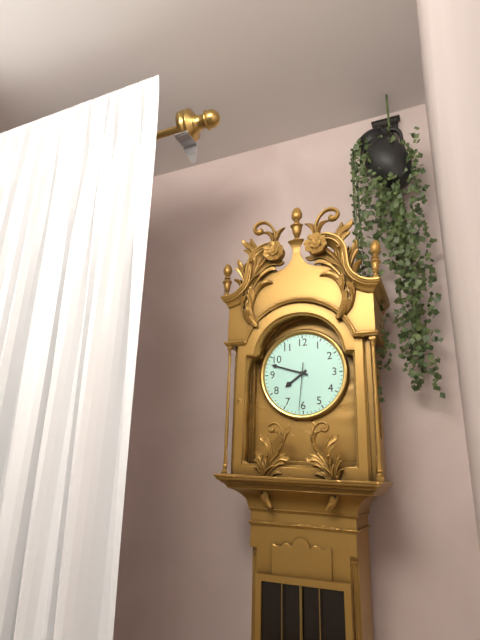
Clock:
7:48
